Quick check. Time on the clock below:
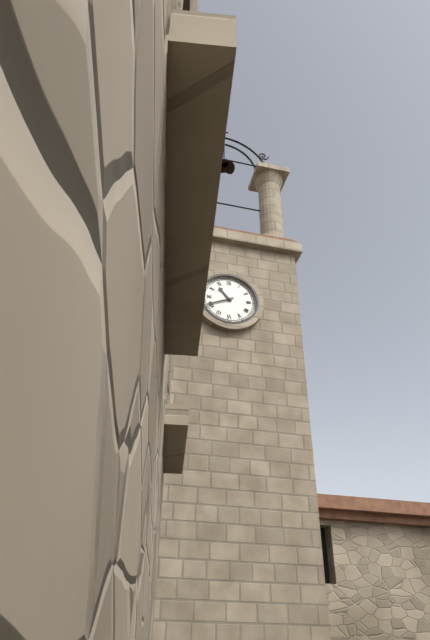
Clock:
10:41
